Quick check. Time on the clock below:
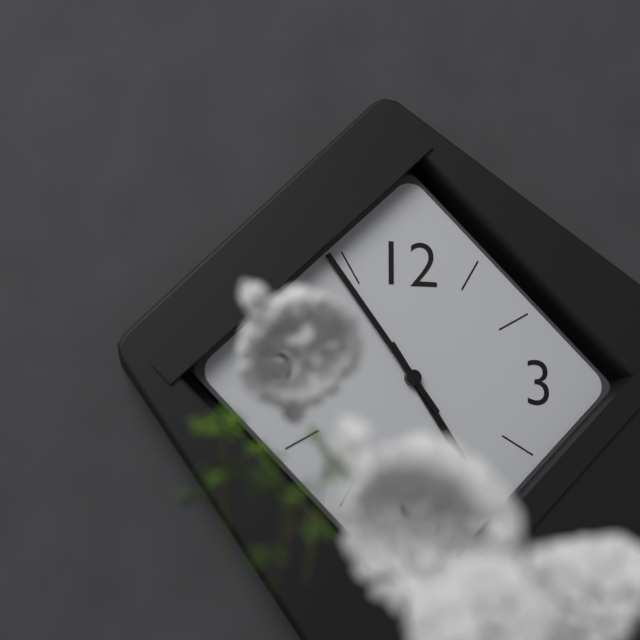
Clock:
4:54
